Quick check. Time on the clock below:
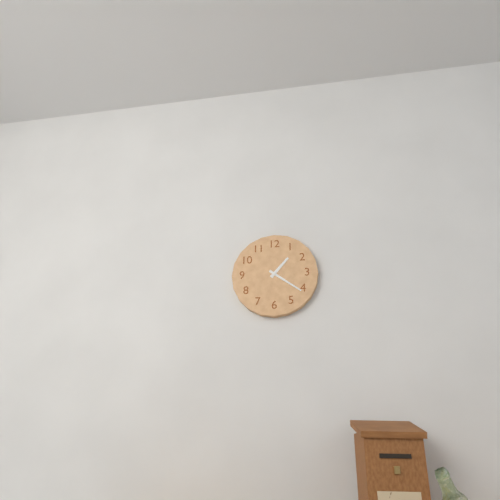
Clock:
1:21
